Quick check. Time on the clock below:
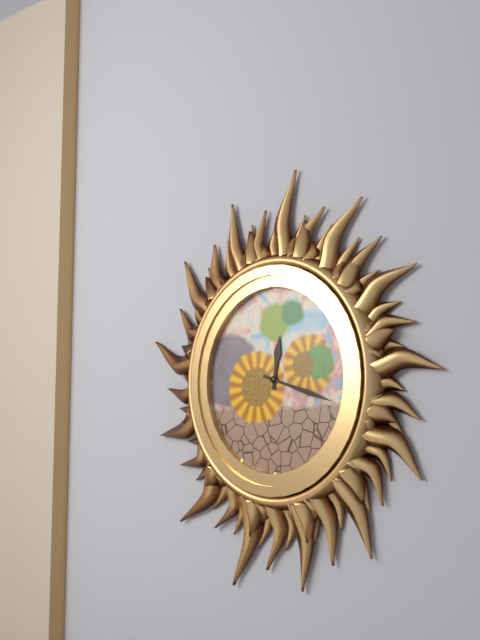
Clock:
12:18
